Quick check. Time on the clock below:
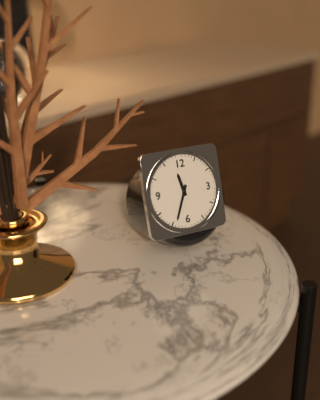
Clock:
11:34
